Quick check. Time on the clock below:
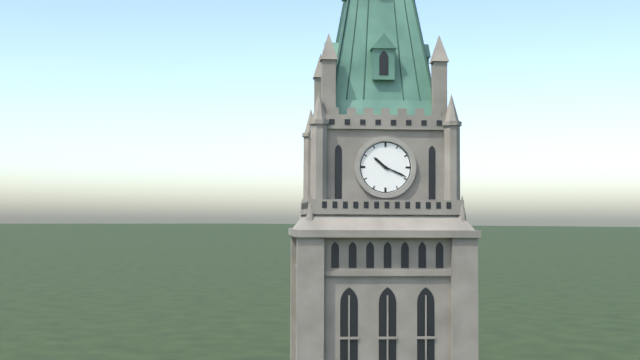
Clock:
10:19
